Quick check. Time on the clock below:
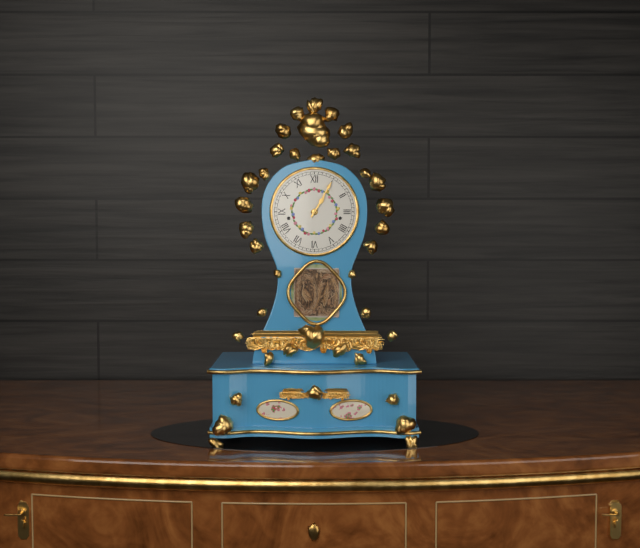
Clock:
1:05
